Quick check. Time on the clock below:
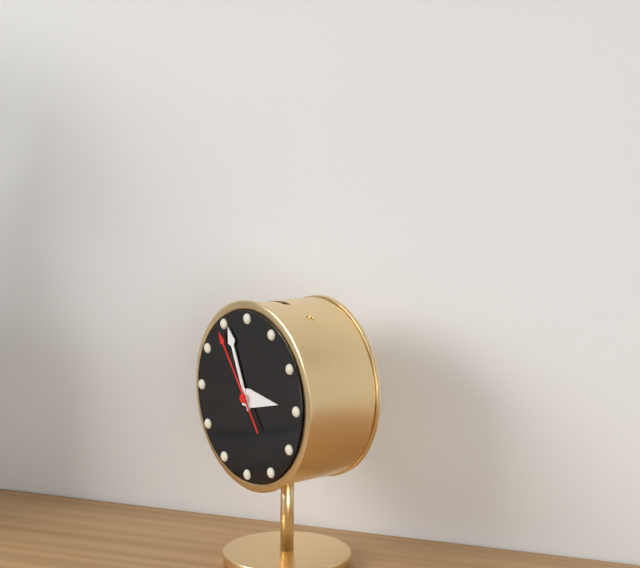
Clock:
2:56:54
